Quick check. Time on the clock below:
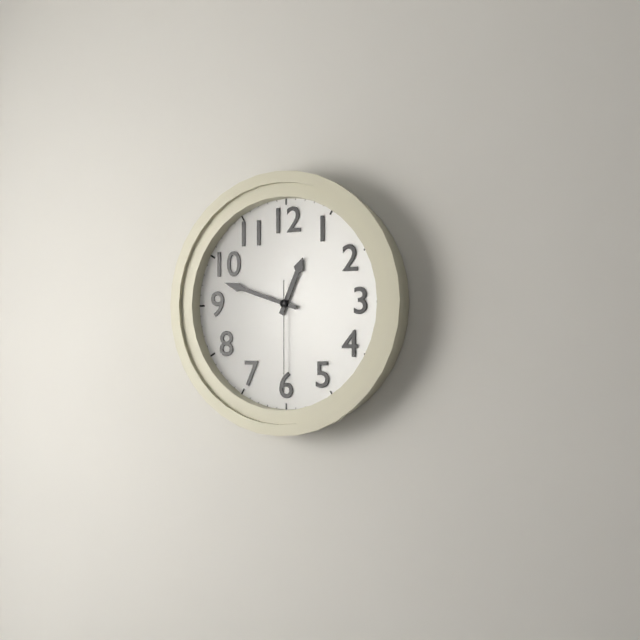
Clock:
12:48:30
